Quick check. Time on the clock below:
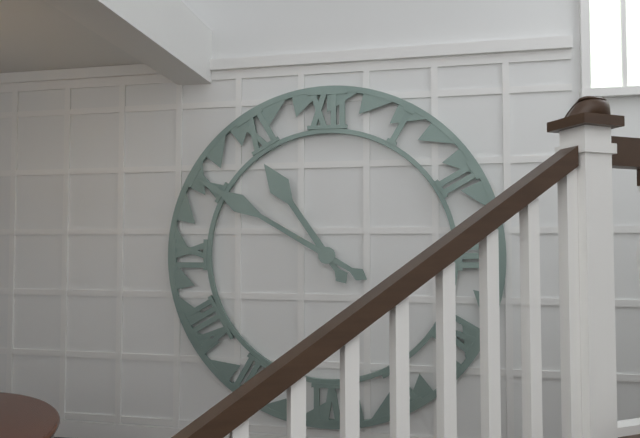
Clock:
10:50
